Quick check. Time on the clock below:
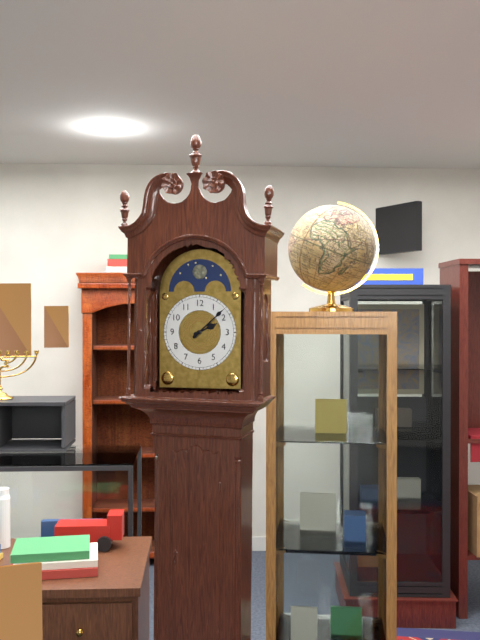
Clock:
2:08
